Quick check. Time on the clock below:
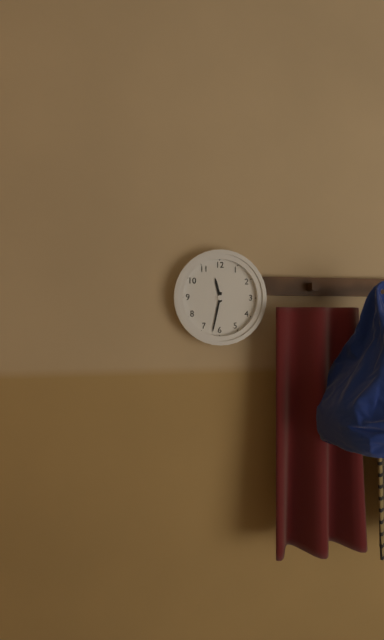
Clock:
11:32
